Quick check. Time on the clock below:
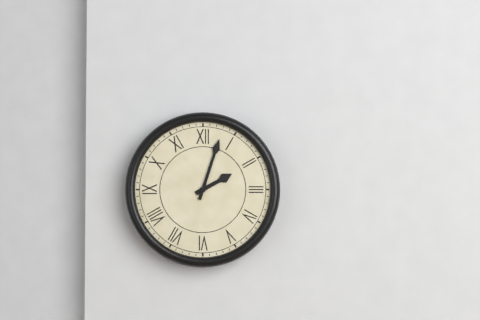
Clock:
2:03
